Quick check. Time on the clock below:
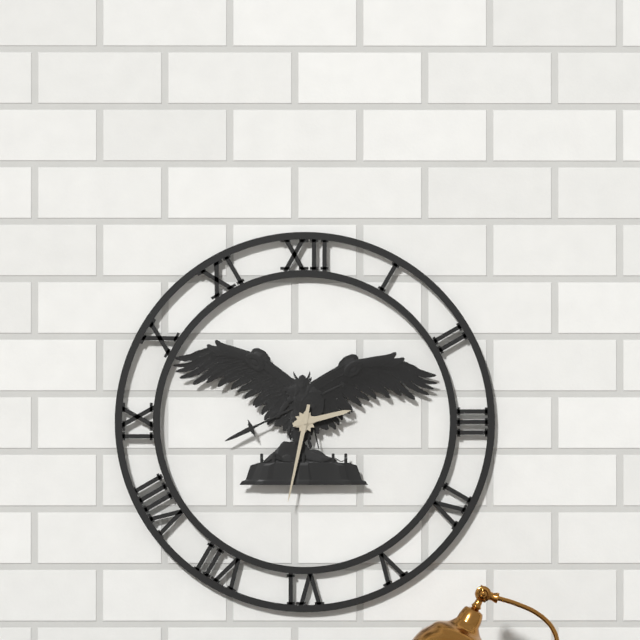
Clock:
2:32
